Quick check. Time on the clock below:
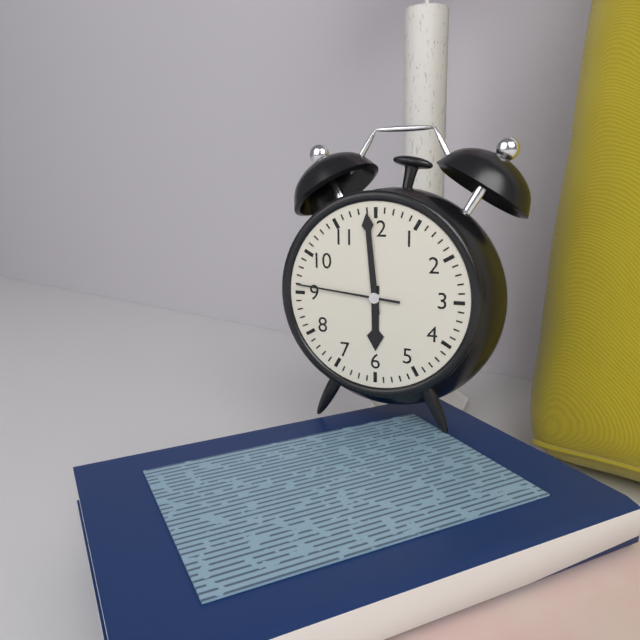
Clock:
5:59:46
